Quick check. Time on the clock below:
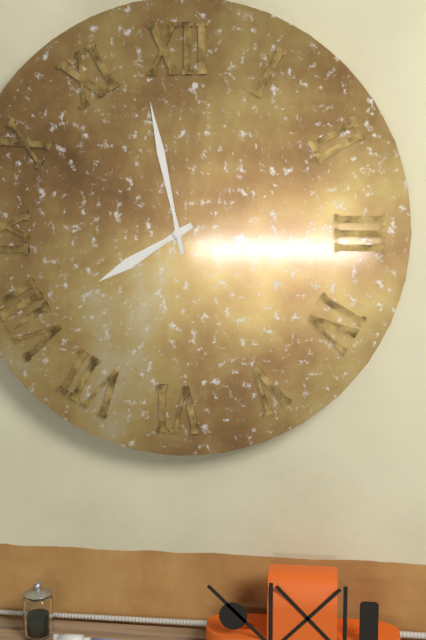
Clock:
7:58
